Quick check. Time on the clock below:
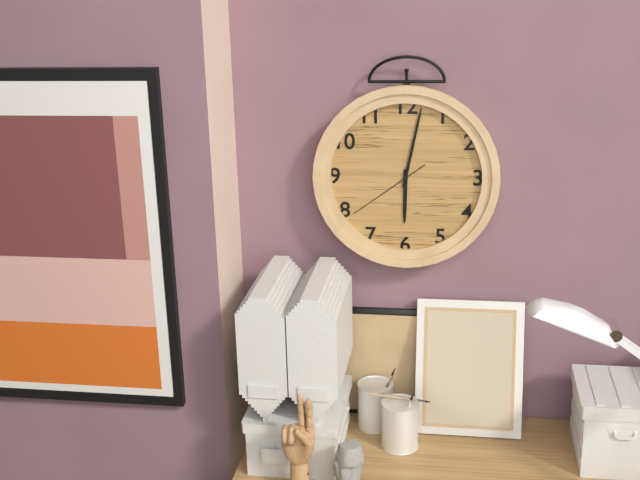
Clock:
6:02:39
